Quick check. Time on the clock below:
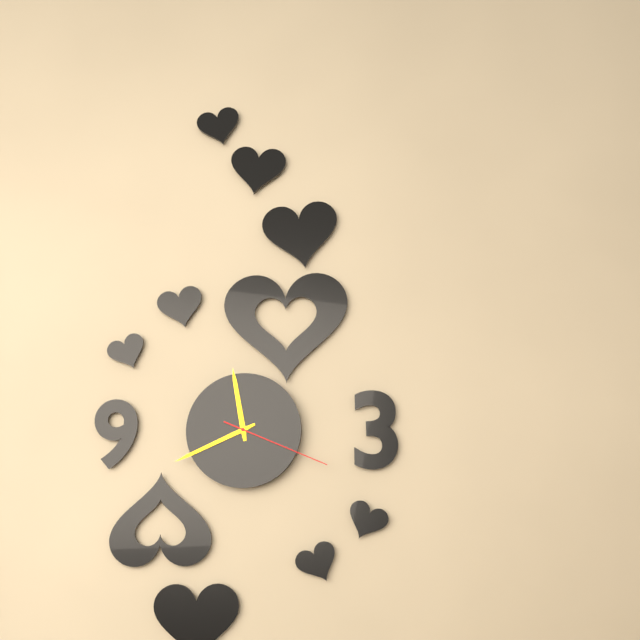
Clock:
11:41:19
